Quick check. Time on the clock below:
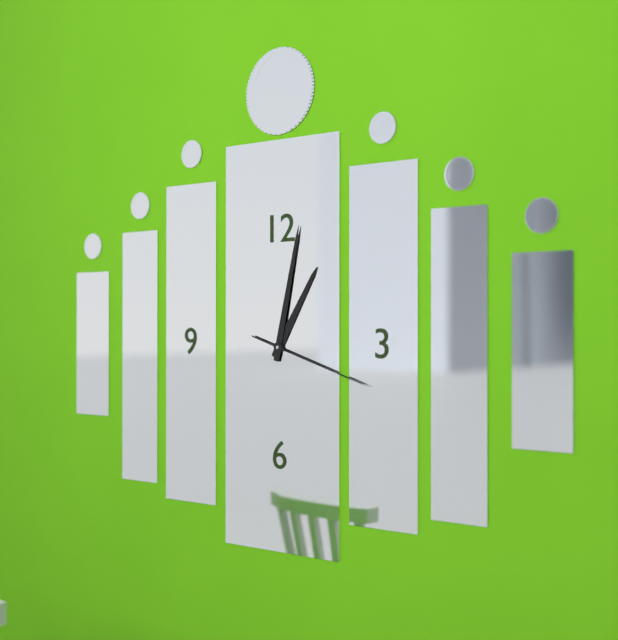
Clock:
1:02:18
